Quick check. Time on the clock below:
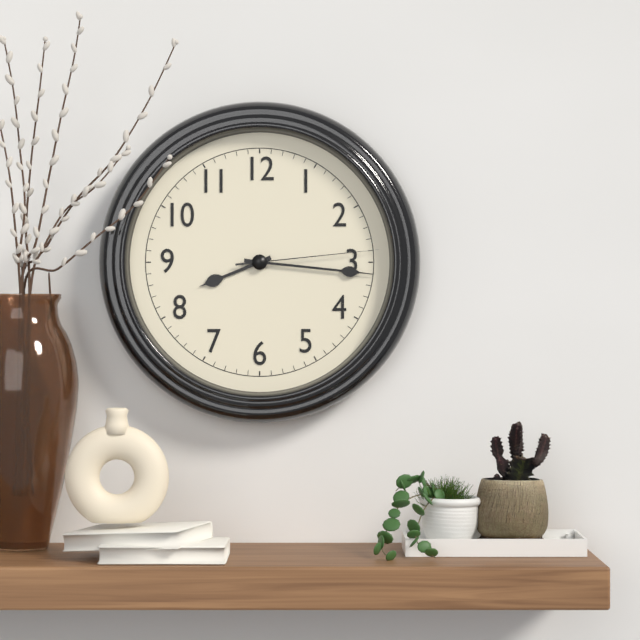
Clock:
8:16:14
